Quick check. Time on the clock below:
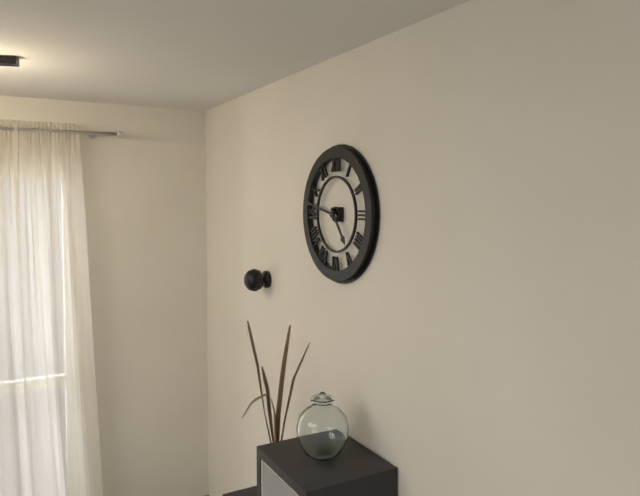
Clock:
4:47
